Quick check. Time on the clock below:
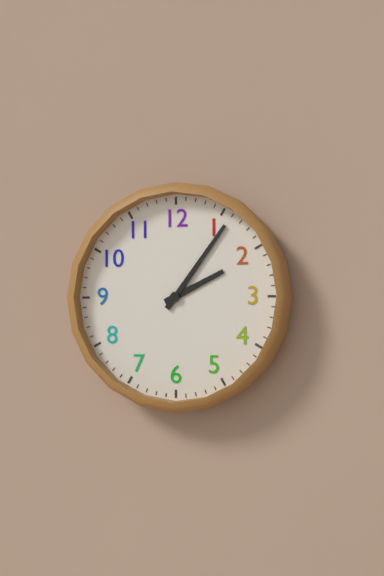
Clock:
2:06
